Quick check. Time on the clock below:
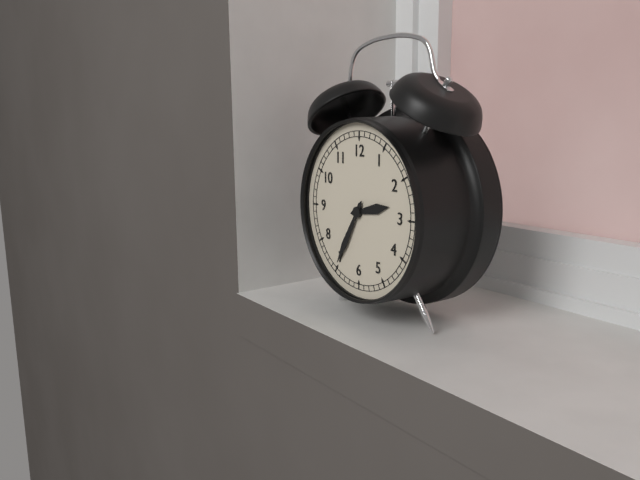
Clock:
2:35
